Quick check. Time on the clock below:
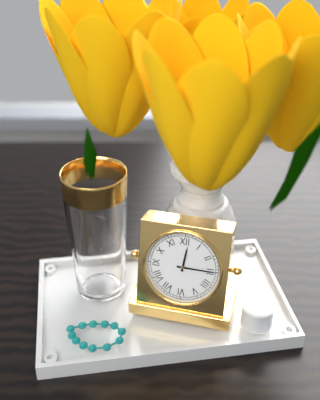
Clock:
12:15
